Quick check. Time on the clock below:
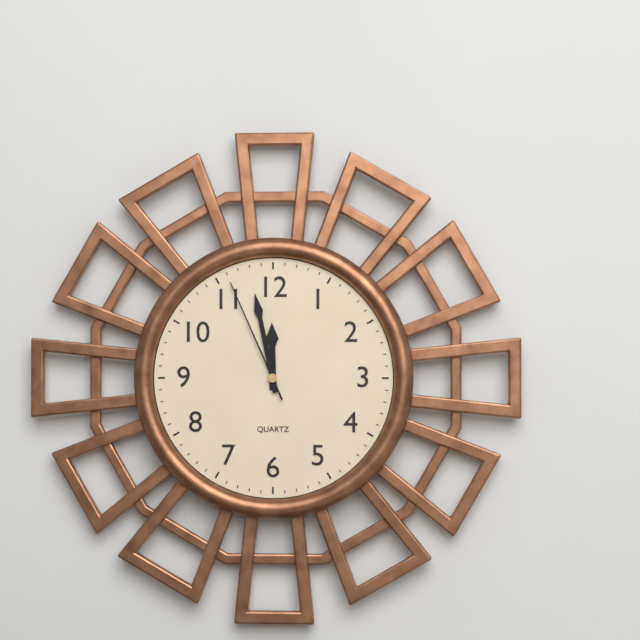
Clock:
11:58:56
